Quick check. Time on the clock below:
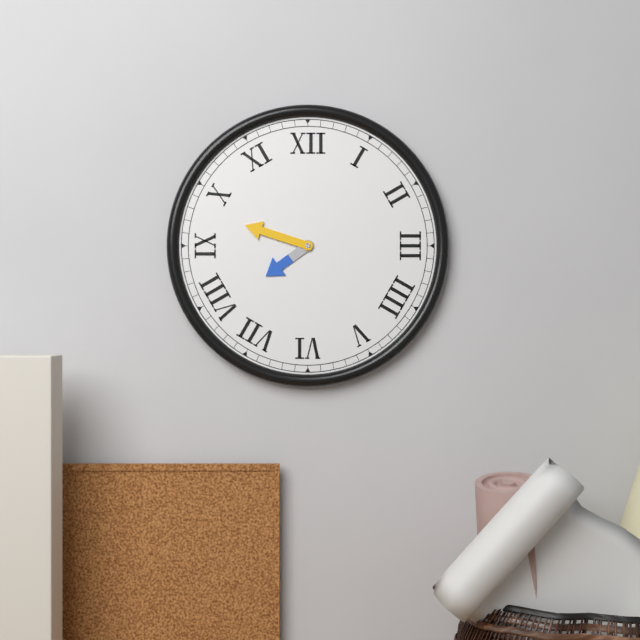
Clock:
7:48
